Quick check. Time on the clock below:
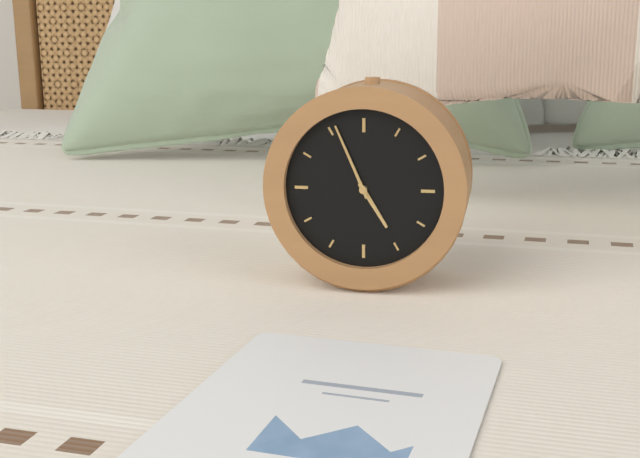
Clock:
4:56
